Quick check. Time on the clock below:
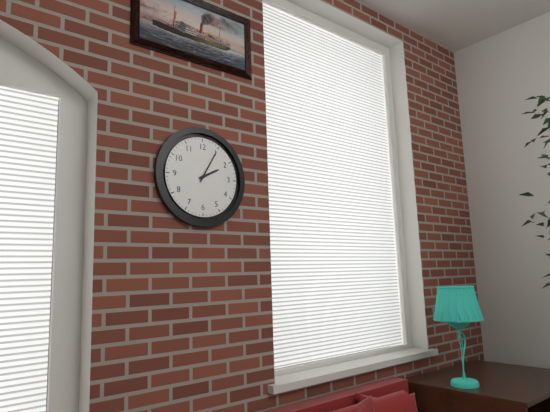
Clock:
2:05
